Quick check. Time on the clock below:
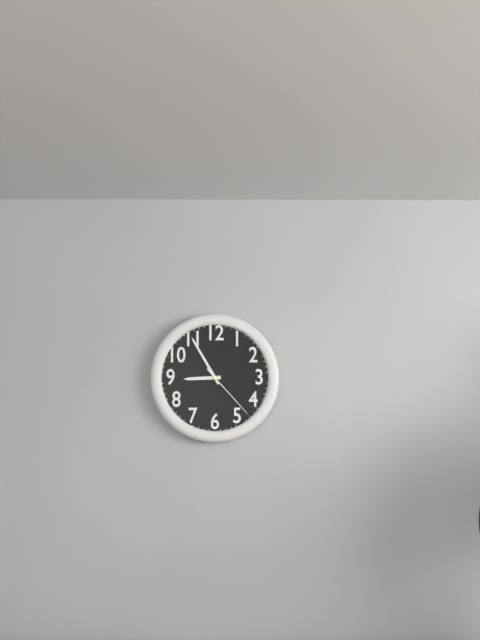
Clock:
8:55:23
